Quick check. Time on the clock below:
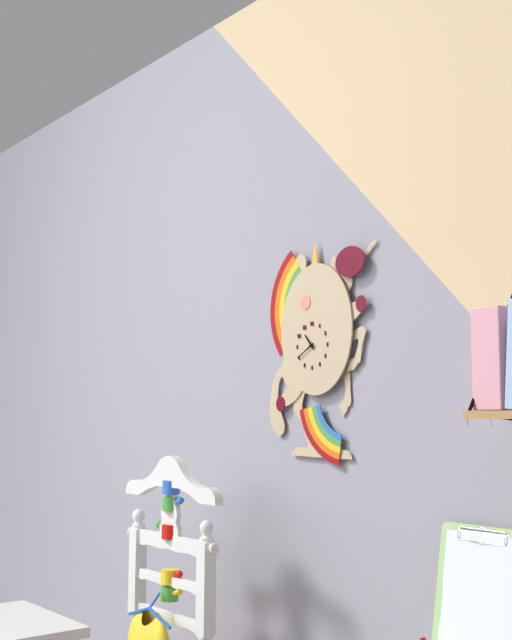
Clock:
10:40
